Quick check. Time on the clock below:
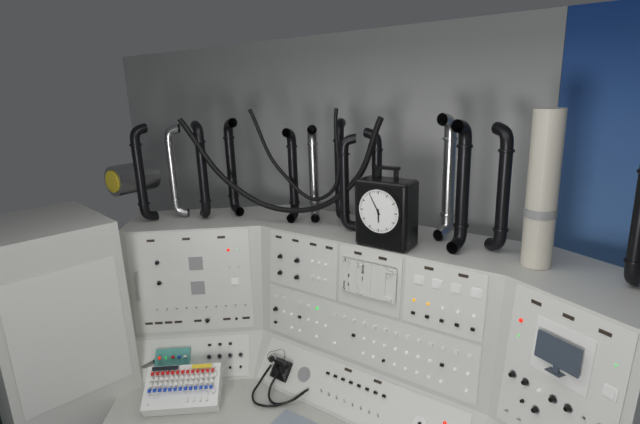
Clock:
5:55
